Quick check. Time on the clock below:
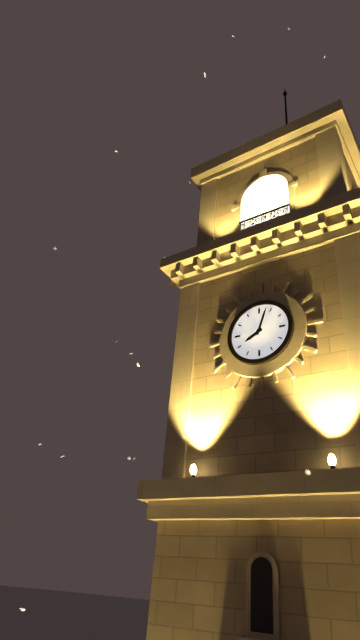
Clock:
8:03
